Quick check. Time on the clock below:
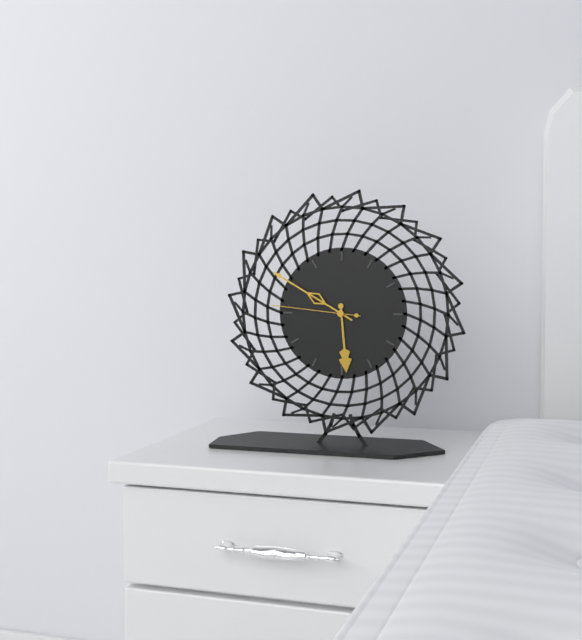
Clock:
5:50:46
